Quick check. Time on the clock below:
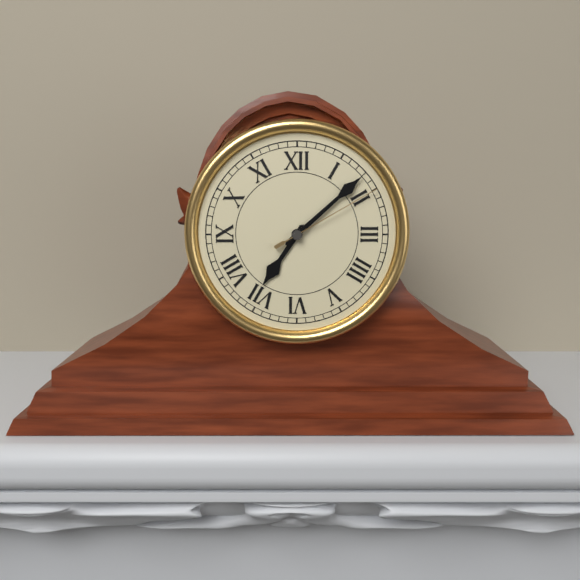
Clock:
7:08:10
